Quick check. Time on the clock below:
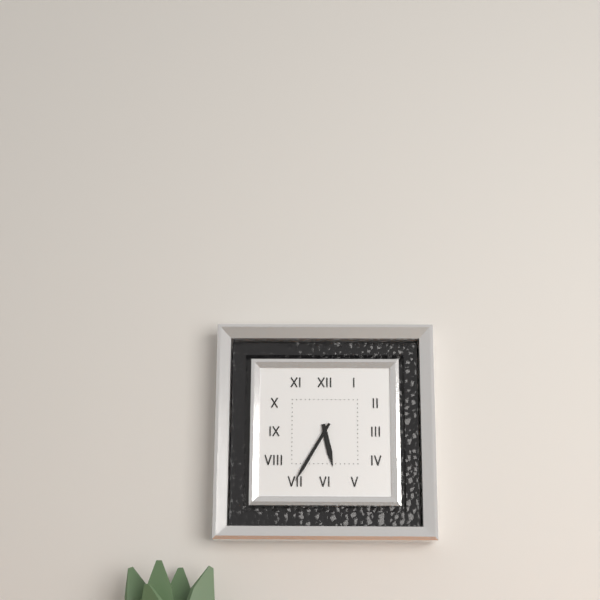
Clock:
5:35
